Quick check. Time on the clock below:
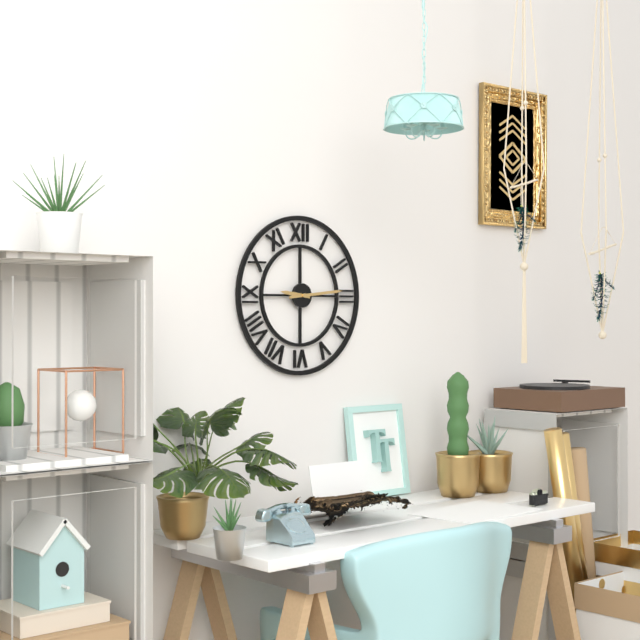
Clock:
9:14
